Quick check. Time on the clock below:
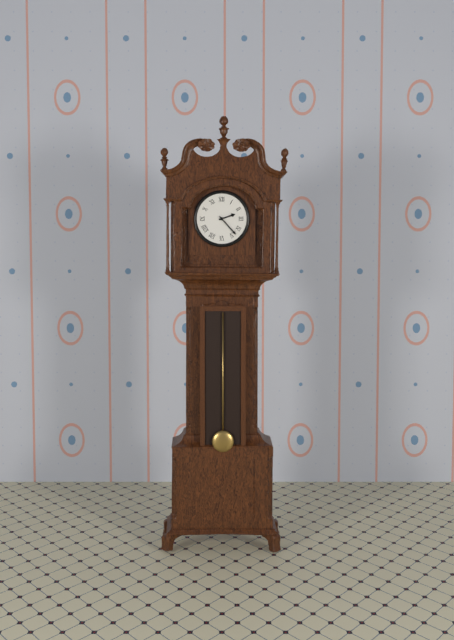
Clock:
2:23
